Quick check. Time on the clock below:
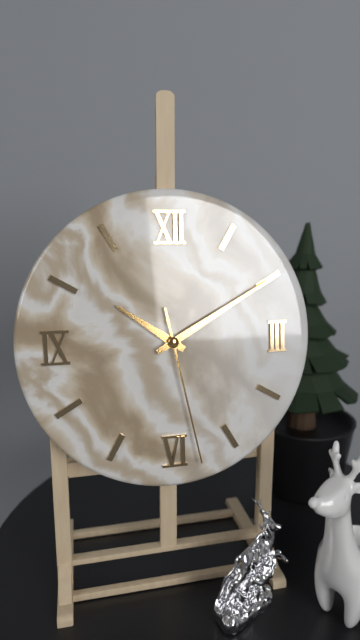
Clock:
10:10:28
